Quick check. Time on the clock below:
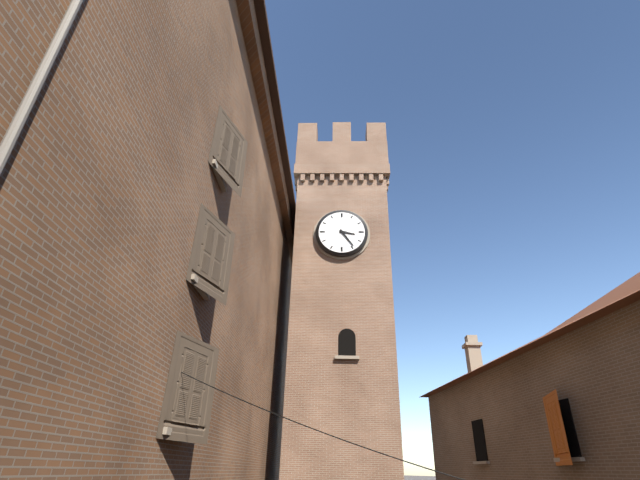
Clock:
3:24
